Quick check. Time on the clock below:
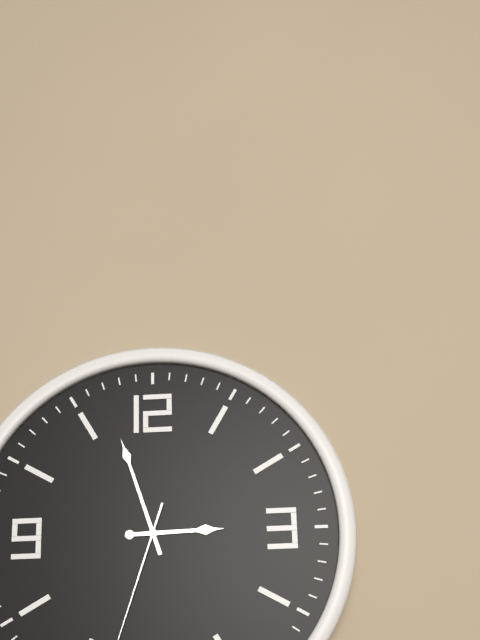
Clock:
2:57
